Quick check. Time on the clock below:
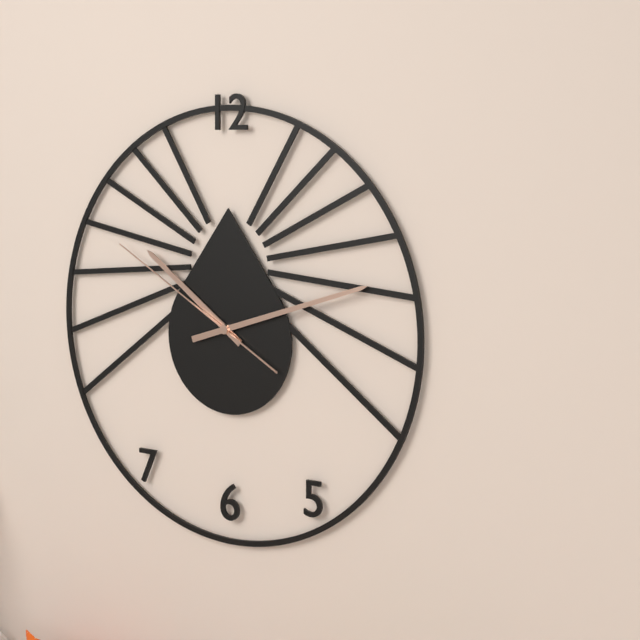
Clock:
10:12:50
